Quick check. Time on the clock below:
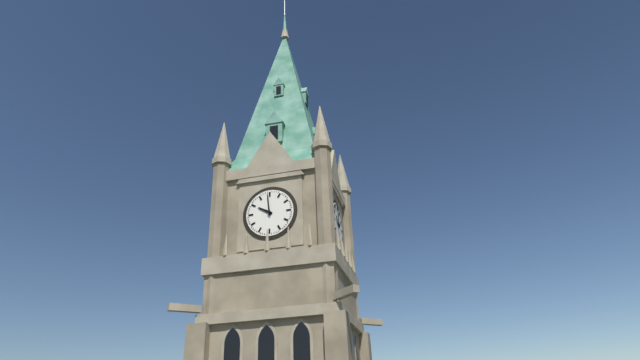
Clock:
9:59
